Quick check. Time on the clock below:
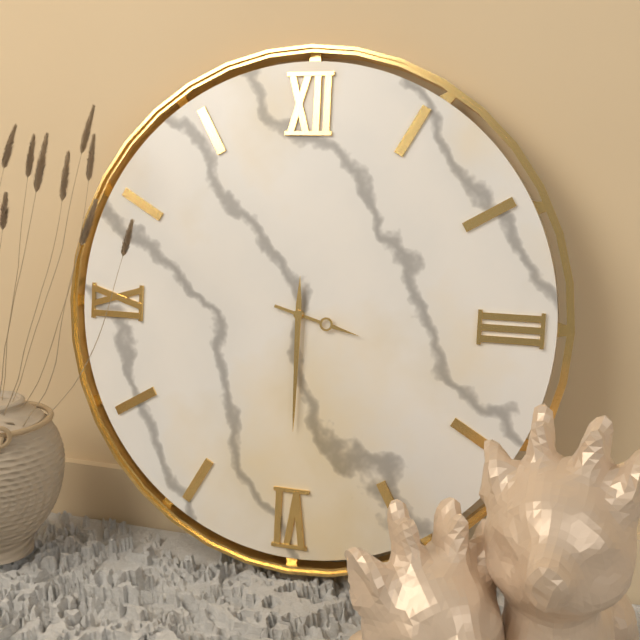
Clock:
3:30
